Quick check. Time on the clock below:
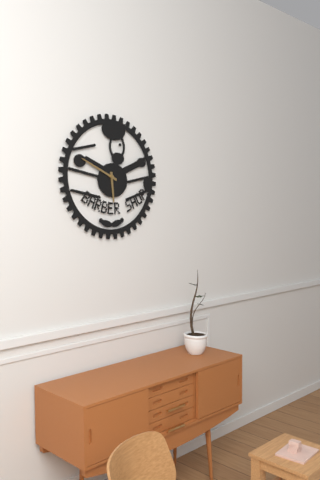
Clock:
5:49
